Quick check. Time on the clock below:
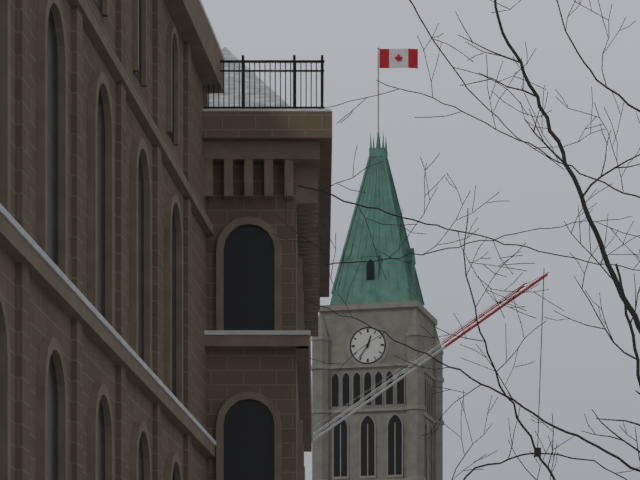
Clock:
12:36
